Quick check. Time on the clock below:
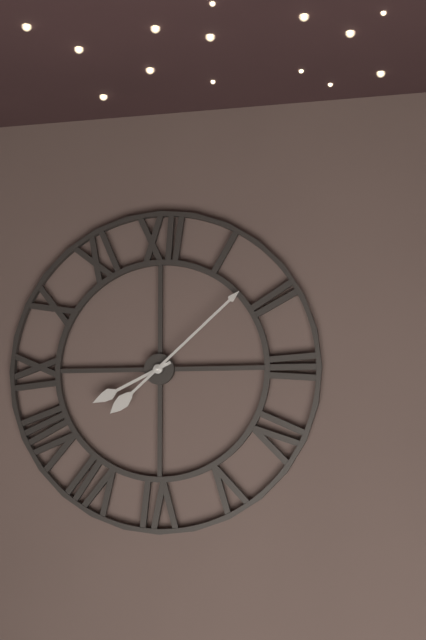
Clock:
8:08
